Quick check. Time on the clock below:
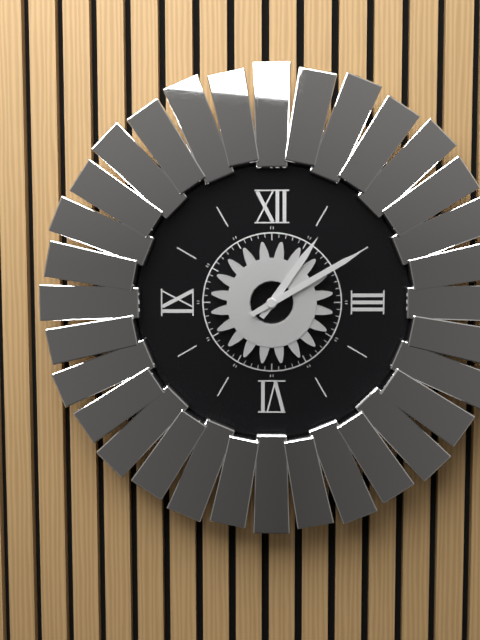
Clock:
1:10
